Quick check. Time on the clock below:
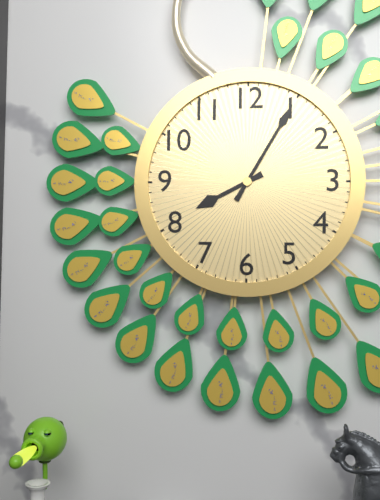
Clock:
8:05
